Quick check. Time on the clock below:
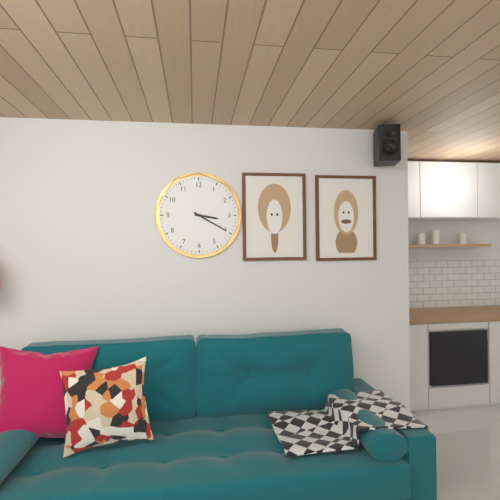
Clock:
3:20
